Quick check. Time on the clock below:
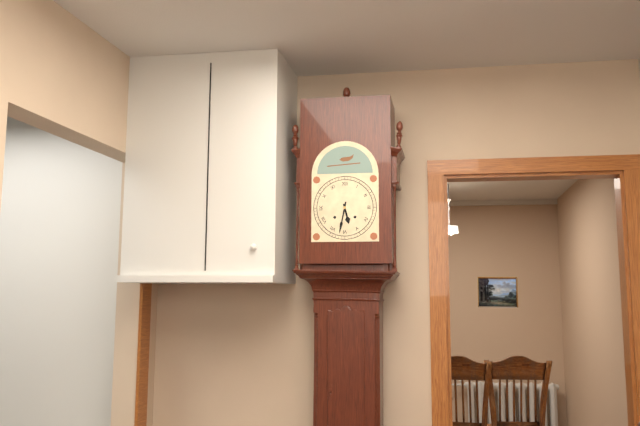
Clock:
5:32
